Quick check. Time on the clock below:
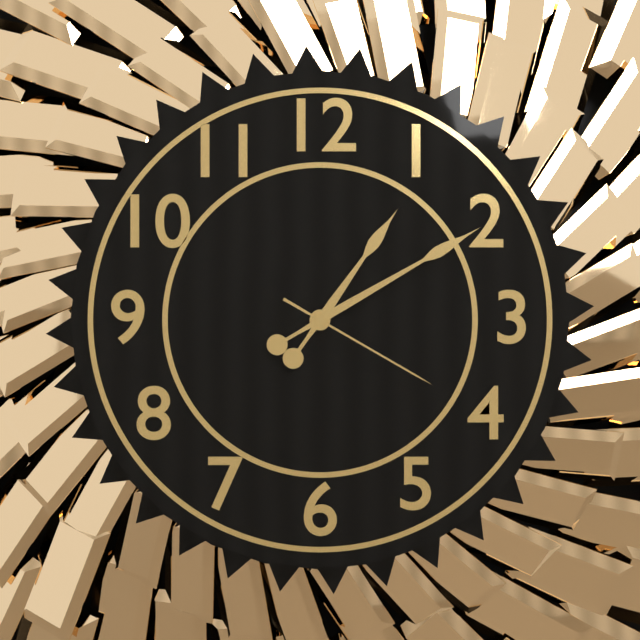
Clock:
1:10:20
